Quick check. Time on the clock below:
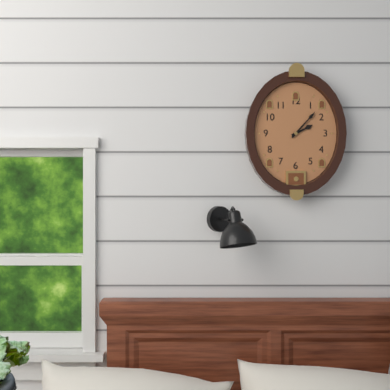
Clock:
2:07
